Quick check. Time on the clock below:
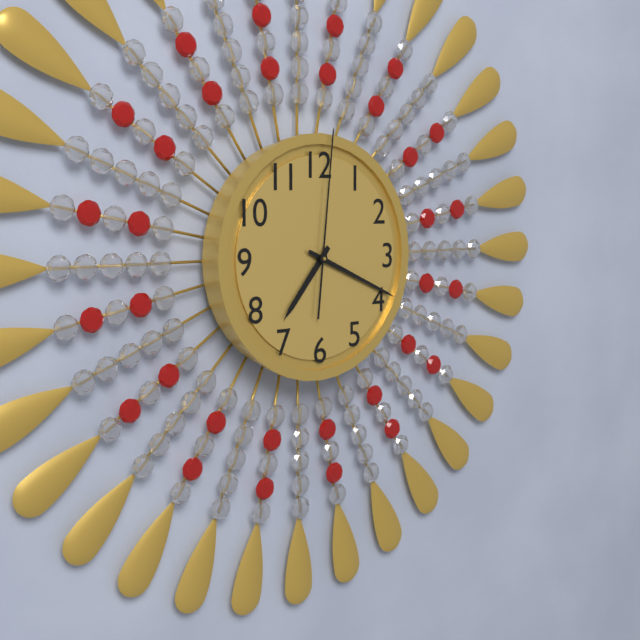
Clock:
7:19:01
